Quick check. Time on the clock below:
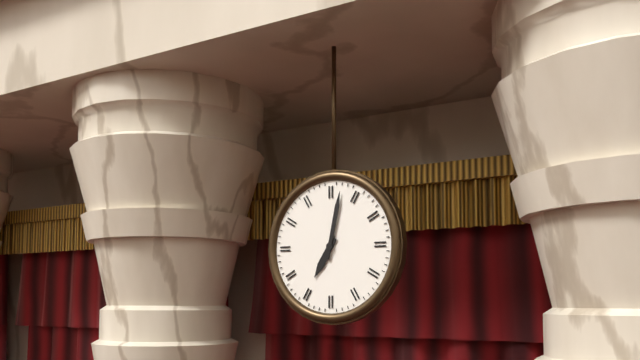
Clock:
7:02
